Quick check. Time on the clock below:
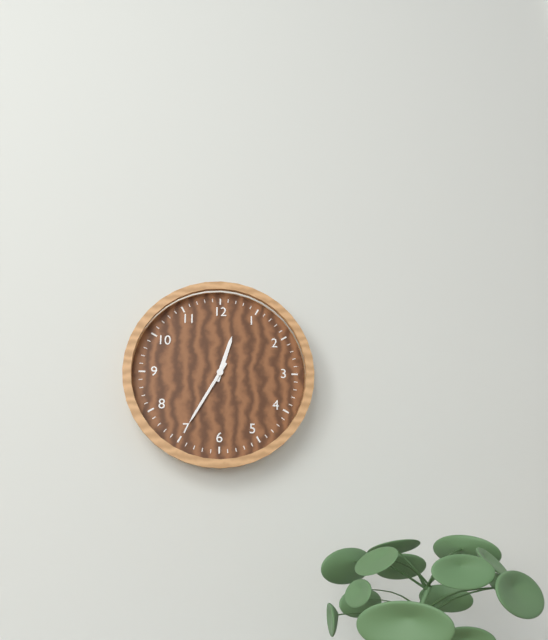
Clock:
12:35
